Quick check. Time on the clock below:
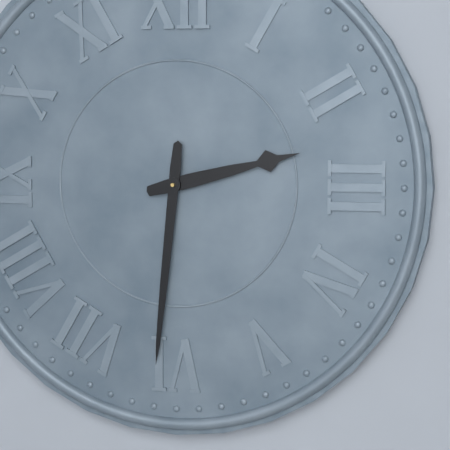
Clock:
2:31
